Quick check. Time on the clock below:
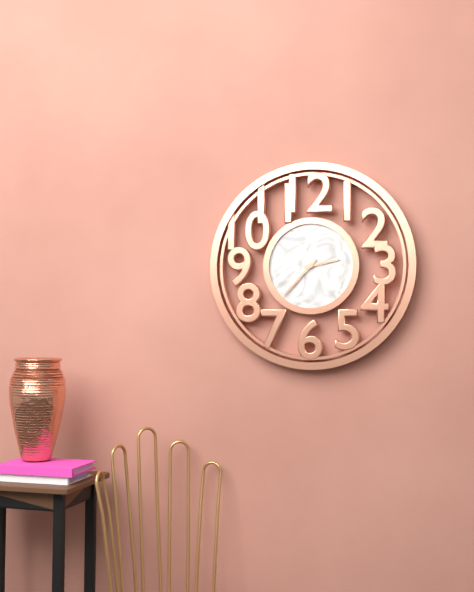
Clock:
2:37
